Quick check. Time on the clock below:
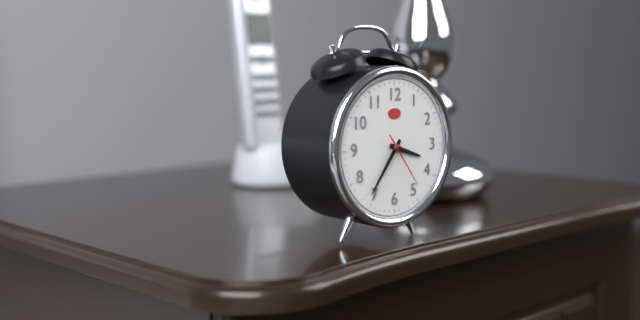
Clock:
3:36:24
